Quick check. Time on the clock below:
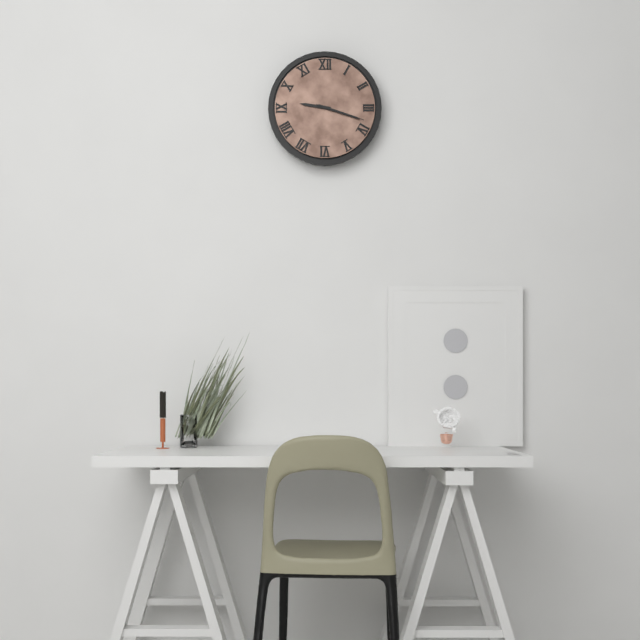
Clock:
9:18:18
